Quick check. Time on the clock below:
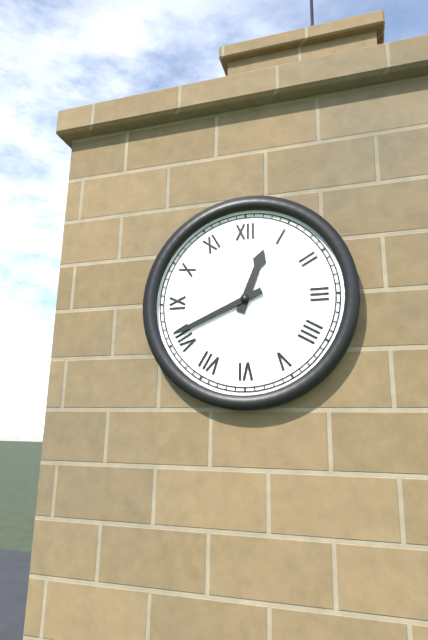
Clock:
12:41
